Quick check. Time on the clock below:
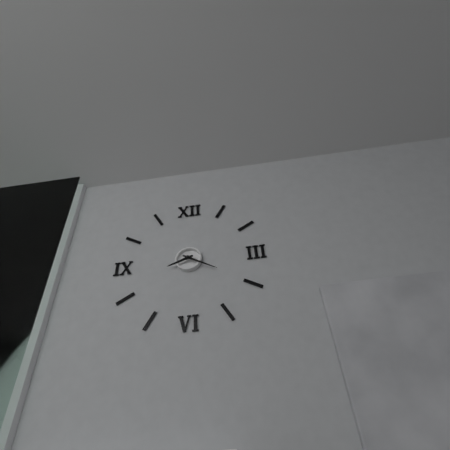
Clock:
8:20
